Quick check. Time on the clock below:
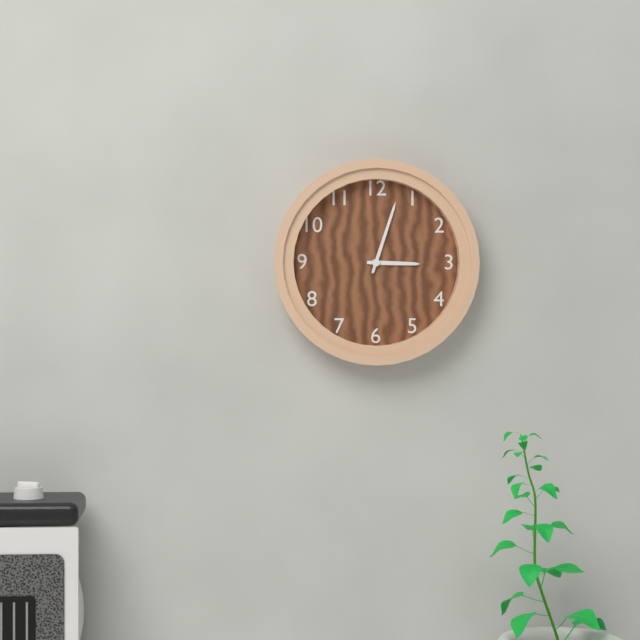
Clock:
3:03
